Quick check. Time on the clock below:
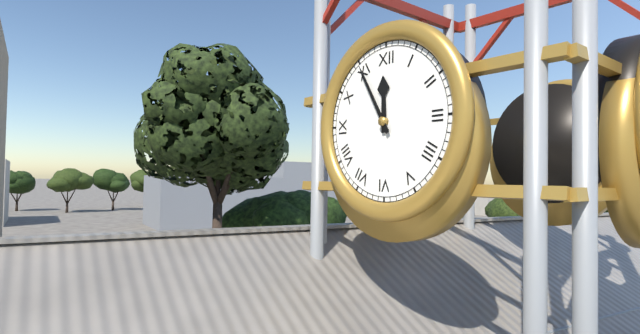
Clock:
11:55
